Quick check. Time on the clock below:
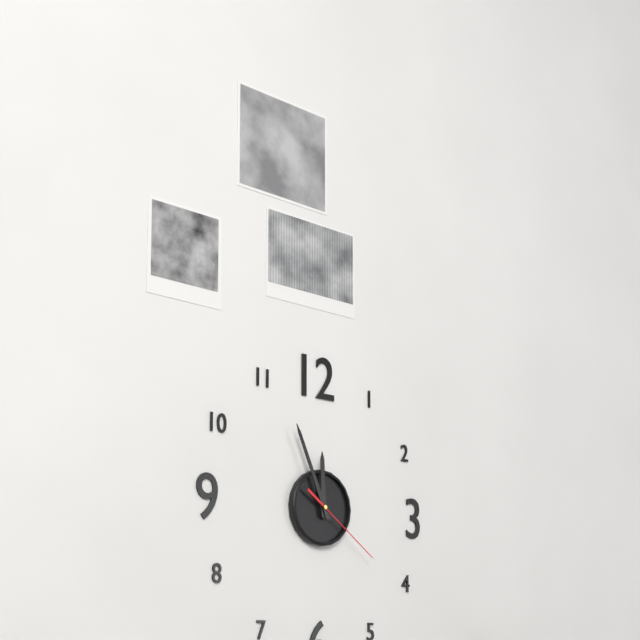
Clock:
11:56:21
